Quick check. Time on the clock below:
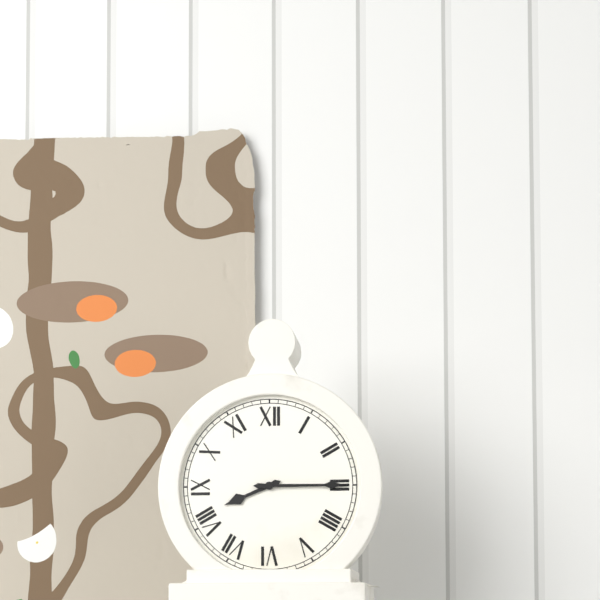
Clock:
8:15
